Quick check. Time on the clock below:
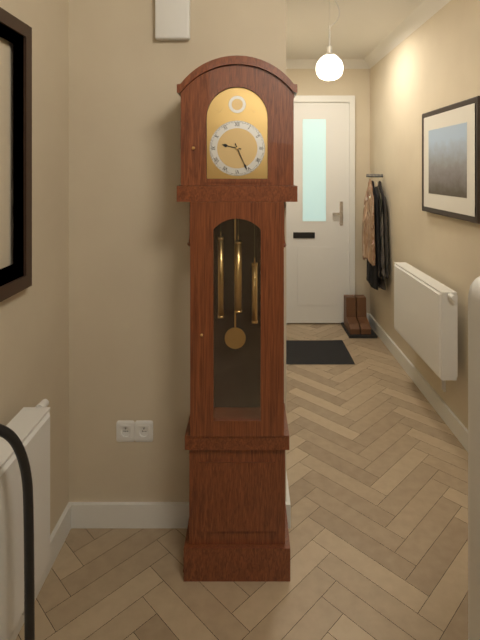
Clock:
9:26
